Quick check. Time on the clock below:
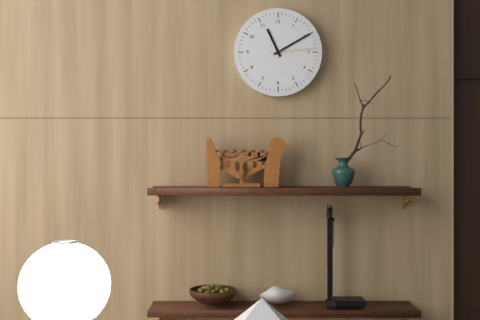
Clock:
11:10
